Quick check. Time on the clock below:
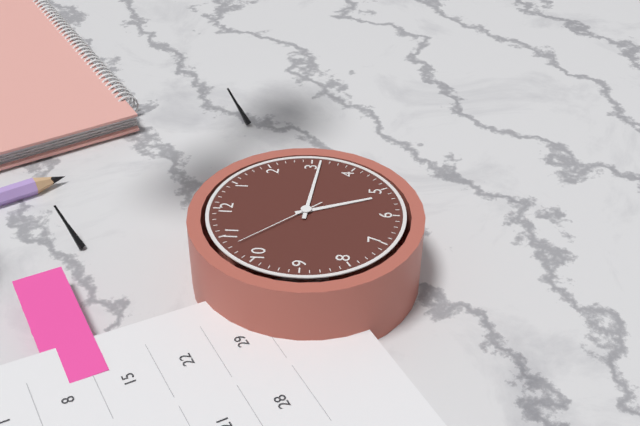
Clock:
5:16:53
